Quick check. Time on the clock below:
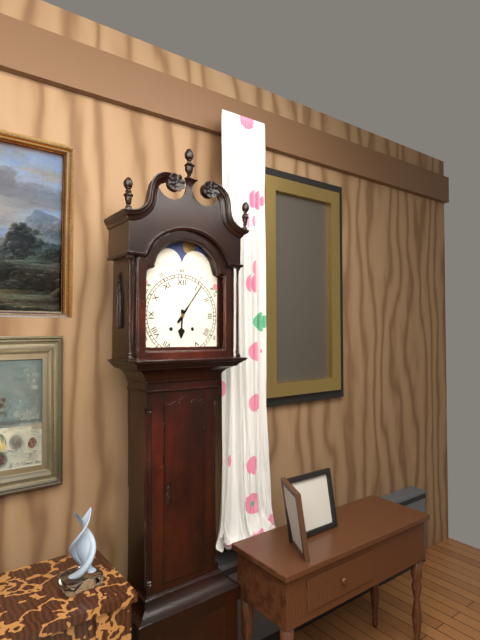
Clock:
6:06
